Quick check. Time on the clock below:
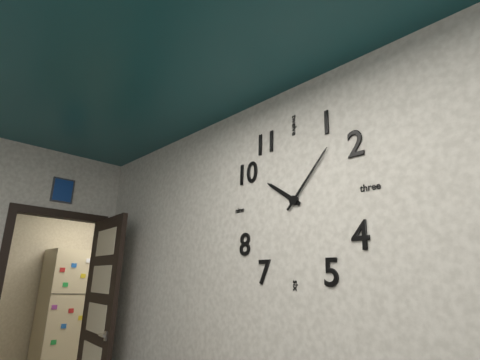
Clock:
10:07
